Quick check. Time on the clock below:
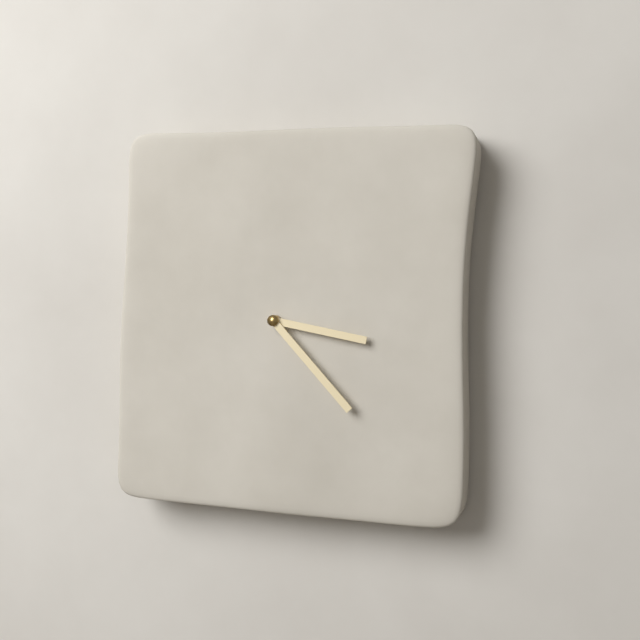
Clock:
3:23
